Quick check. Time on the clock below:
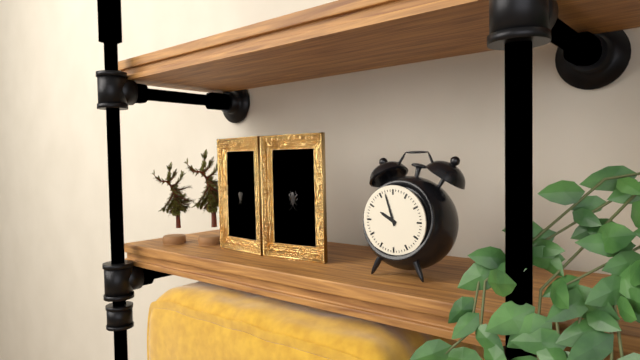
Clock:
9:57
